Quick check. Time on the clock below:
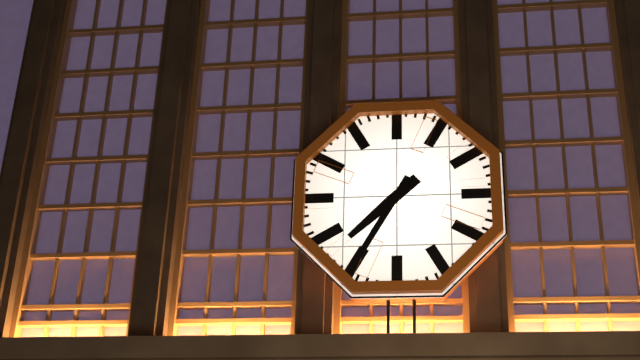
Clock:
7:35
